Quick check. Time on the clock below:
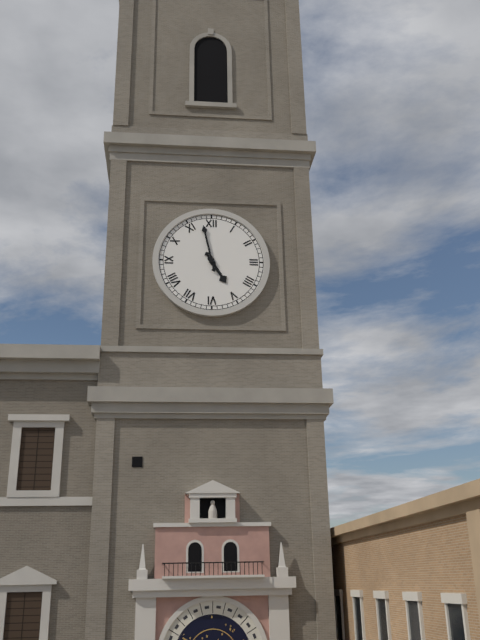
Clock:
4:58
